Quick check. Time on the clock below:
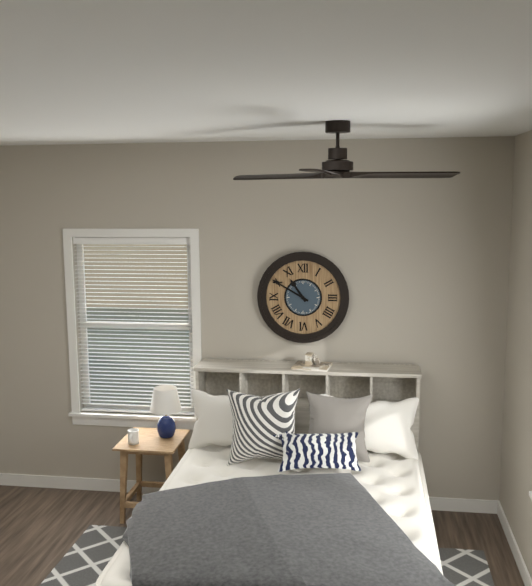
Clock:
10:50
